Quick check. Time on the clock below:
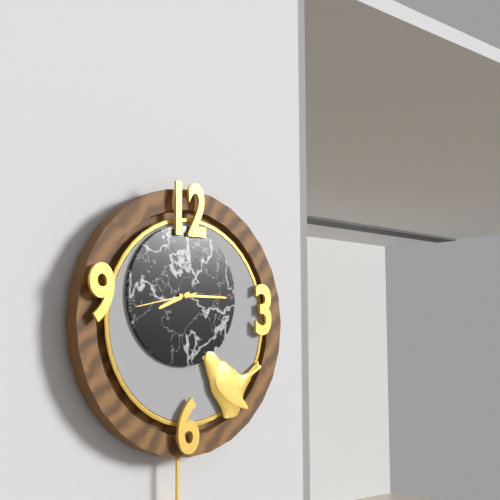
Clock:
8:15:43
